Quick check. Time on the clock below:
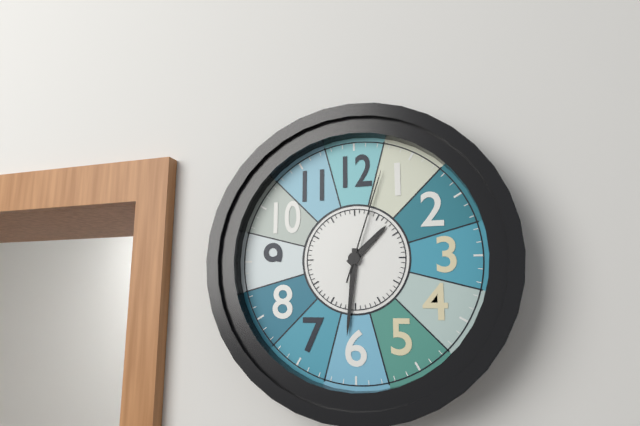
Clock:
1:31:03
